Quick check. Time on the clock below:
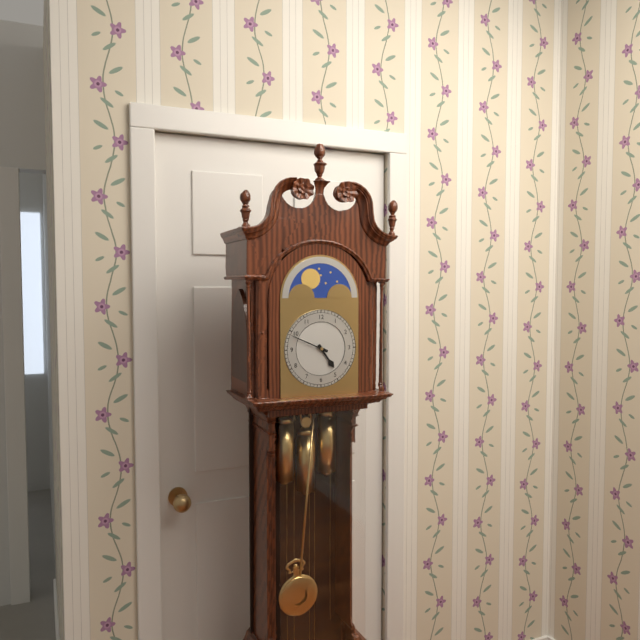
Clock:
4:49
